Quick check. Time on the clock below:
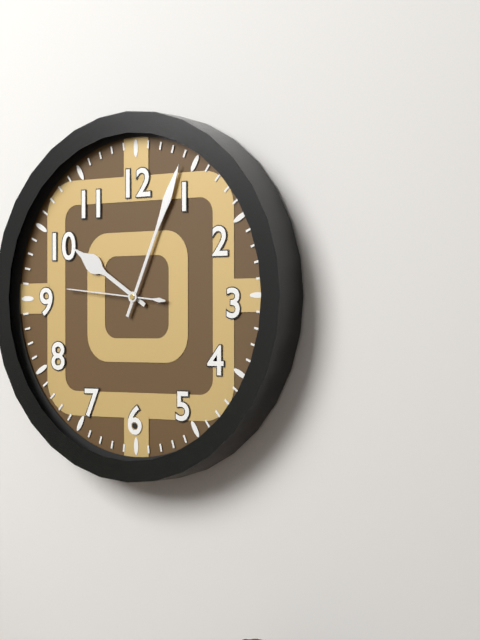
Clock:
10:04:46
